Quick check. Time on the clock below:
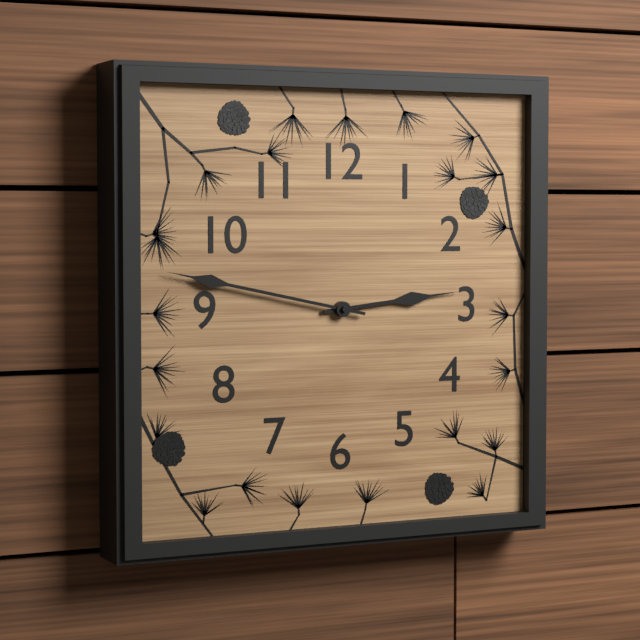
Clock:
2:47
